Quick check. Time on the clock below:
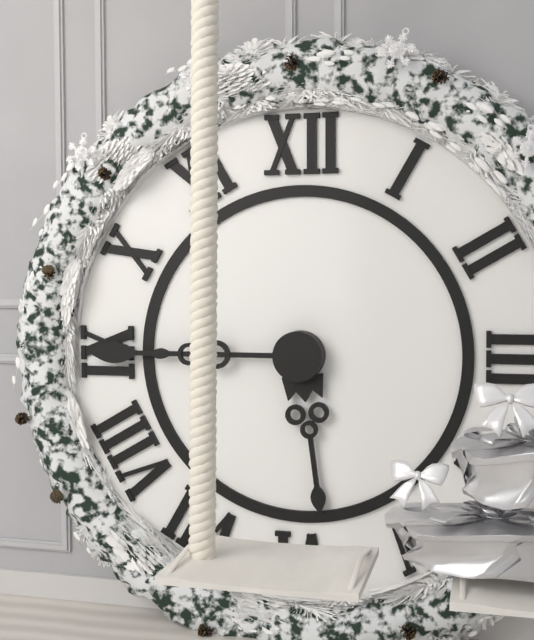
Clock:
5:45
